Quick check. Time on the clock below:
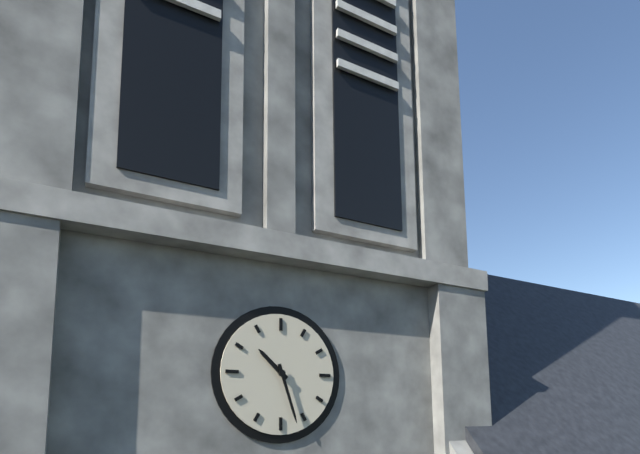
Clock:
10:27
